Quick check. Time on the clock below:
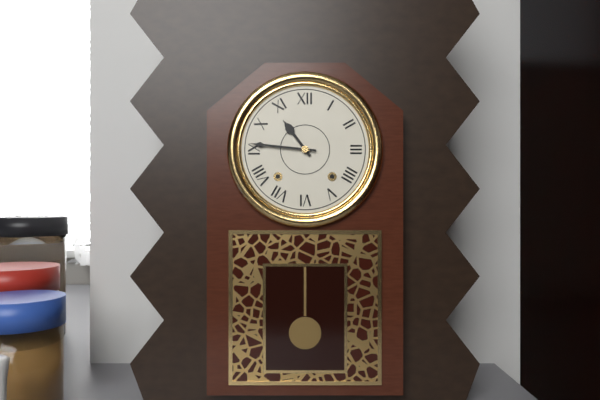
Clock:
10:46
